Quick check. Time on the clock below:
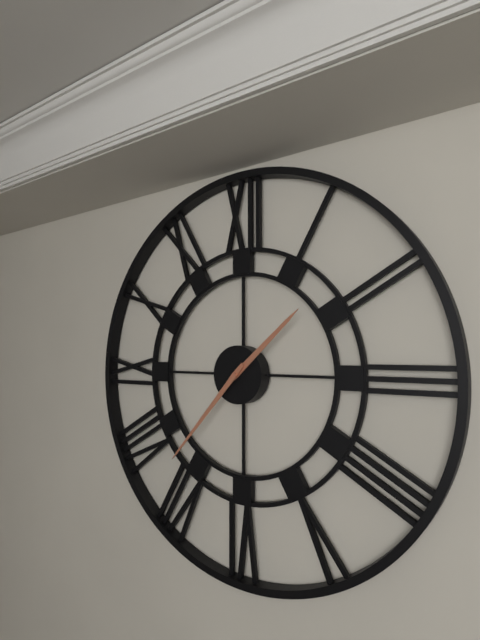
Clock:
1:37
